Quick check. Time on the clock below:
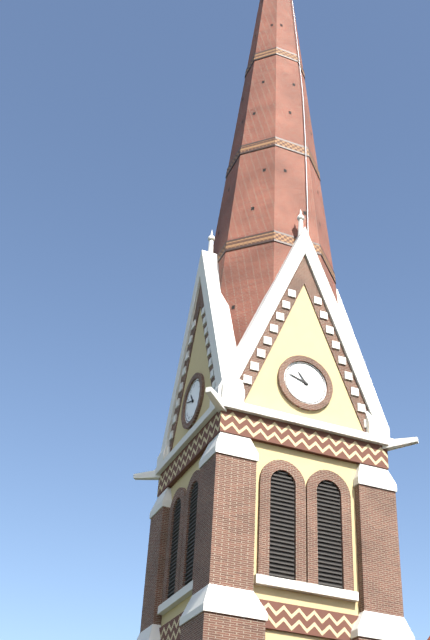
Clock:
10:48
